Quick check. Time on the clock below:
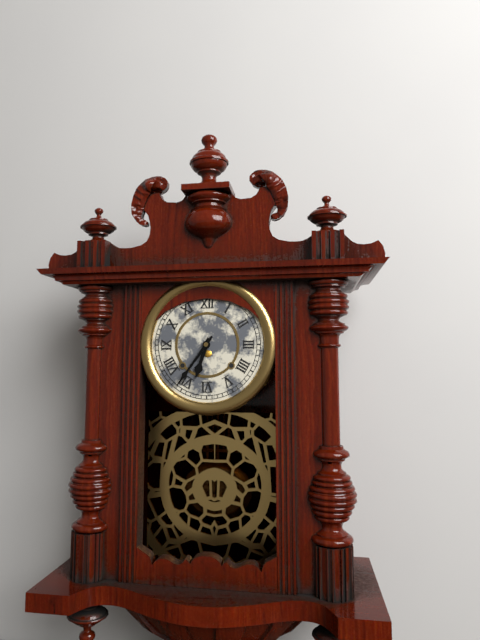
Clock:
6:36
